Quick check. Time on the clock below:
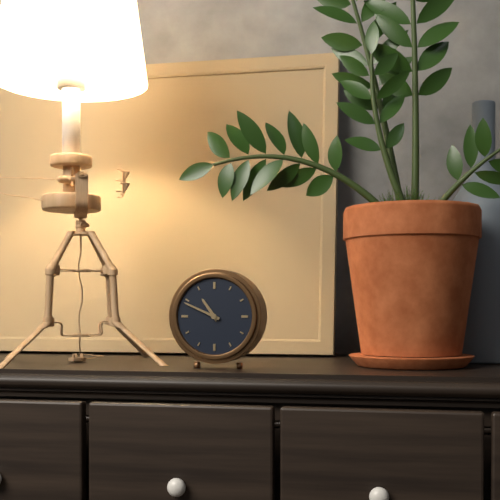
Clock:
10:49
